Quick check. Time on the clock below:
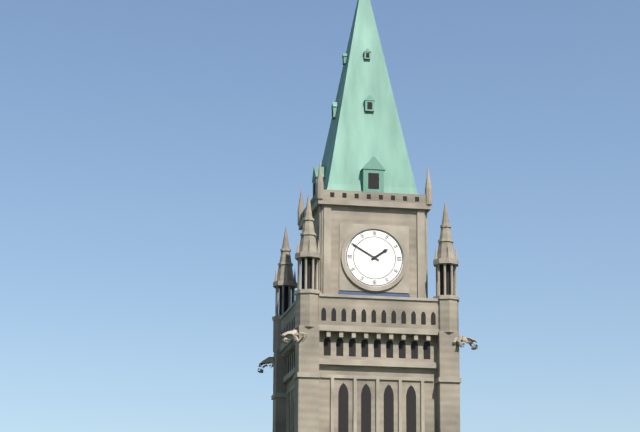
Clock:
1:50
